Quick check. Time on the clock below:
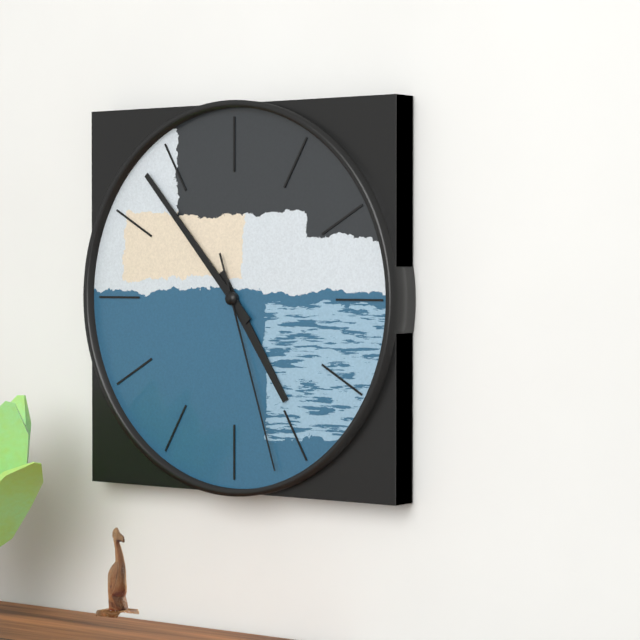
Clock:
4:53:27
